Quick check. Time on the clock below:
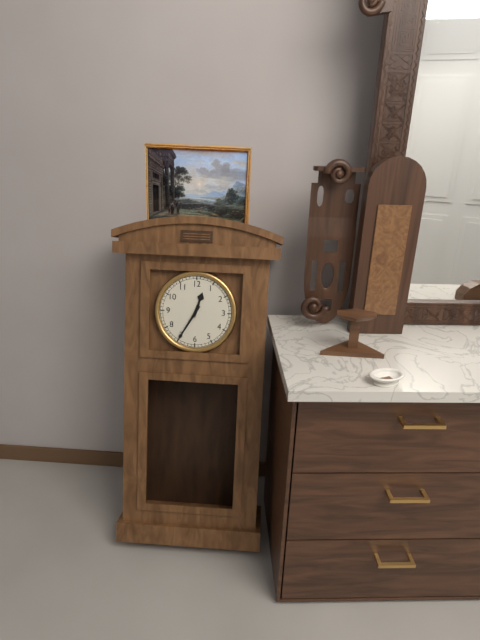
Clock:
12:35
